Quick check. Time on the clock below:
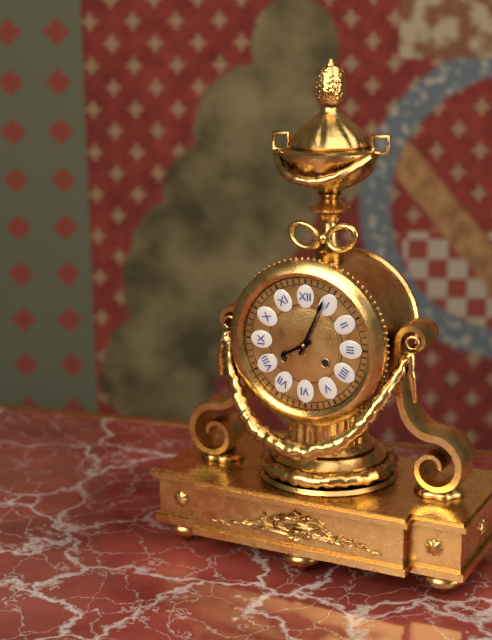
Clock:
8:04
